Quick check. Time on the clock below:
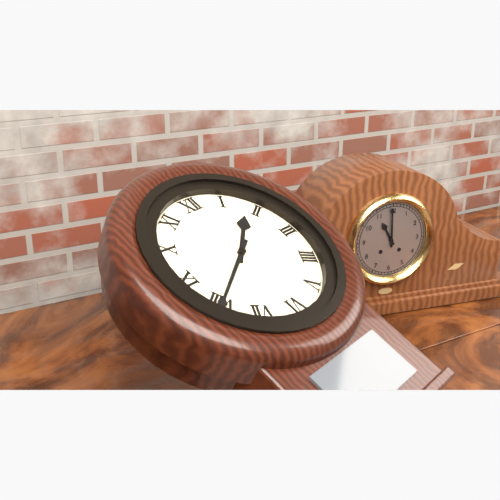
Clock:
1:40
